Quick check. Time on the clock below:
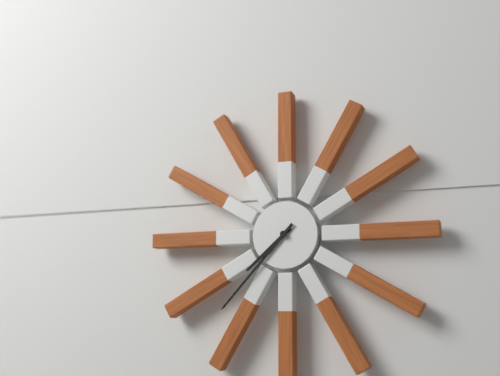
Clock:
7:37
